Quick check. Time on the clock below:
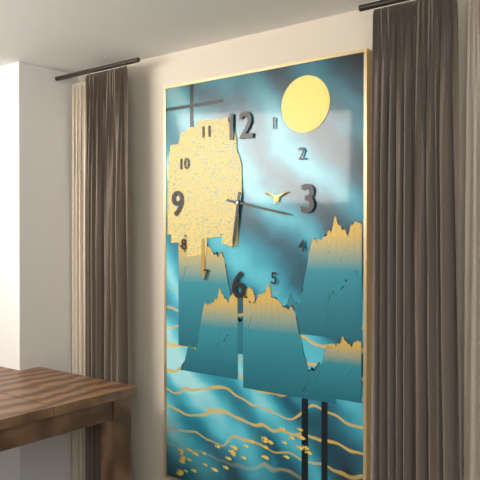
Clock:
6:17
